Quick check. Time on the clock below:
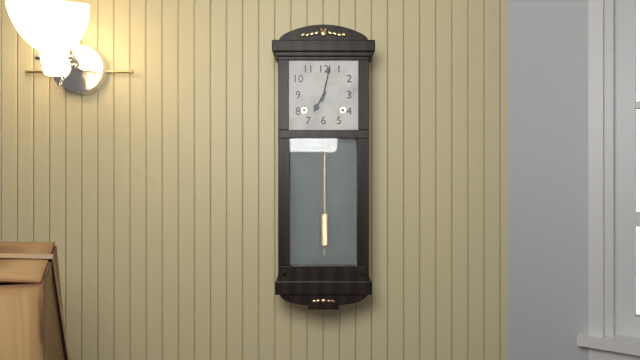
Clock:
7:02
